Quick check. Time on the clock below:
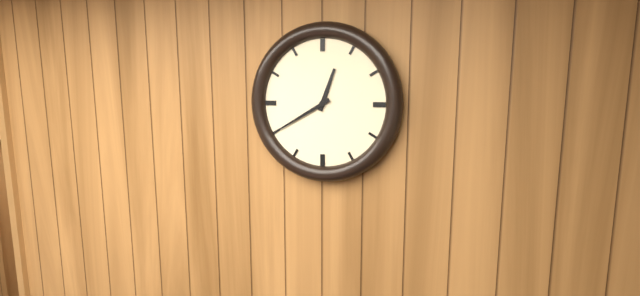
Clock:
12:40
